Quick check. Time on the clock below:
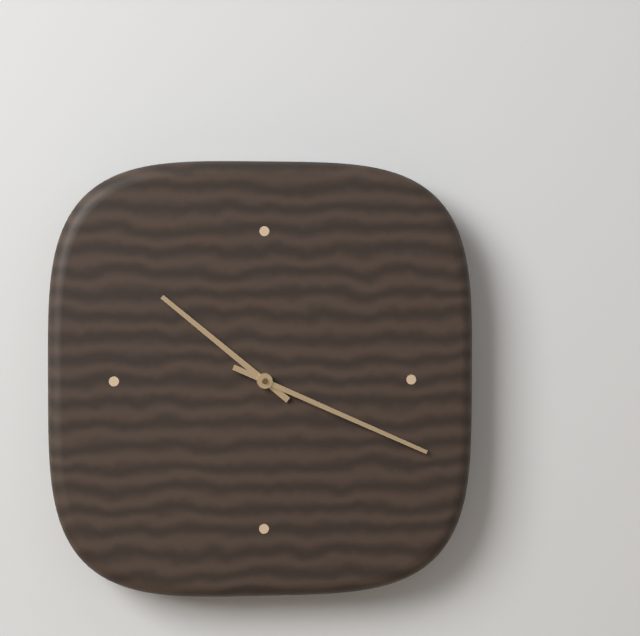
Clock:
10:19
